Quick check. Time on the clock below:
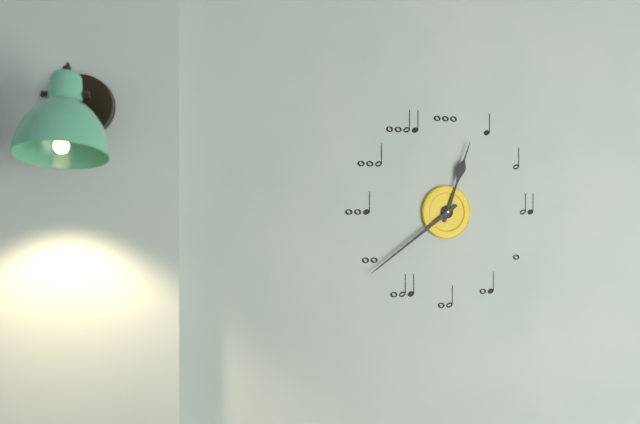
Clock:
12:39
